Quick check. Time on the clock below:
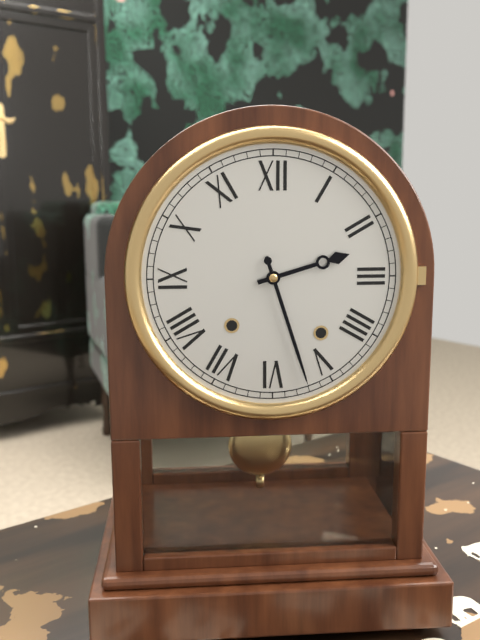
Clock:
2:27
